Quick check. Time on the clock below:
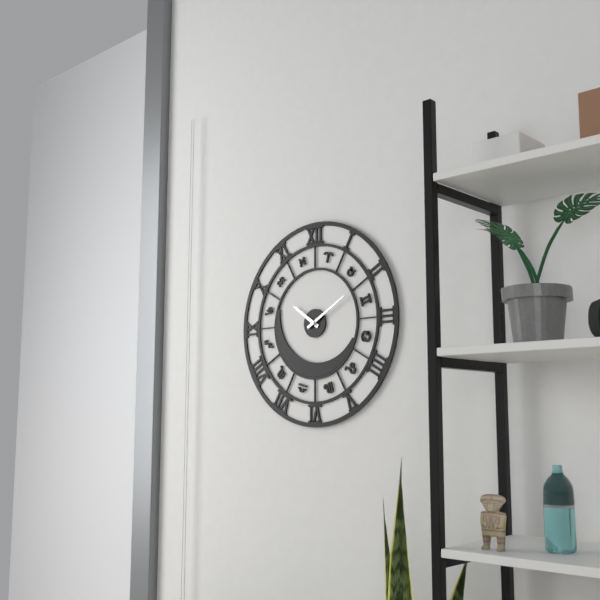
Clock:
10:10
